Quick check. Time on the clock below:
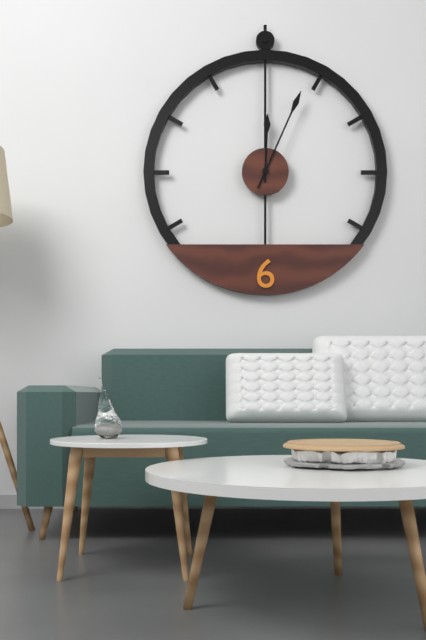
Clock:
12:04
